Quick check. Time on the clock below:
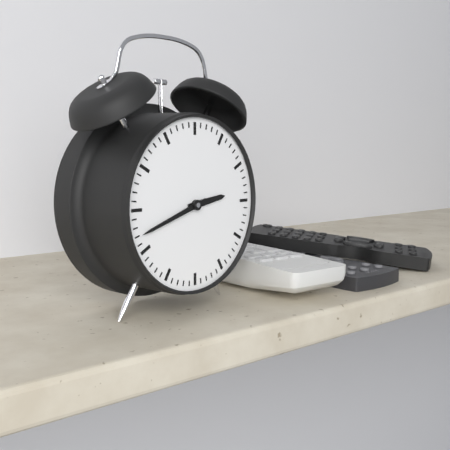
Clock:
2:42
